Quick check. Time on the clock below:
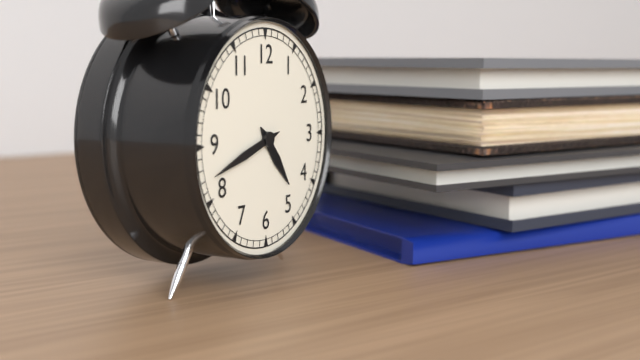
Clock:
4:42
